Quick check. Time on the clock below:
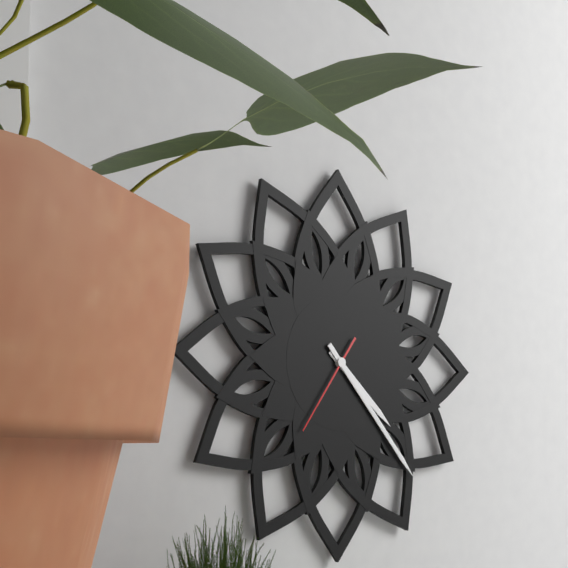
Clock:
4:23:36
